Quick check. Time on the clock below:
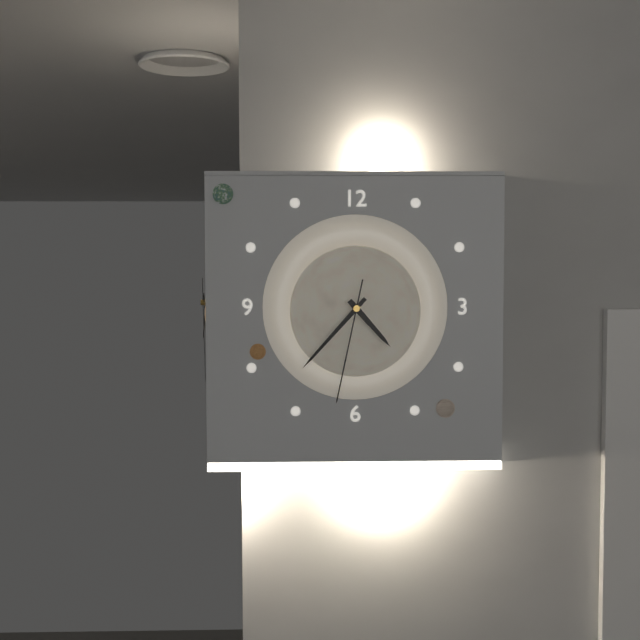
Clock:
4:37:32
